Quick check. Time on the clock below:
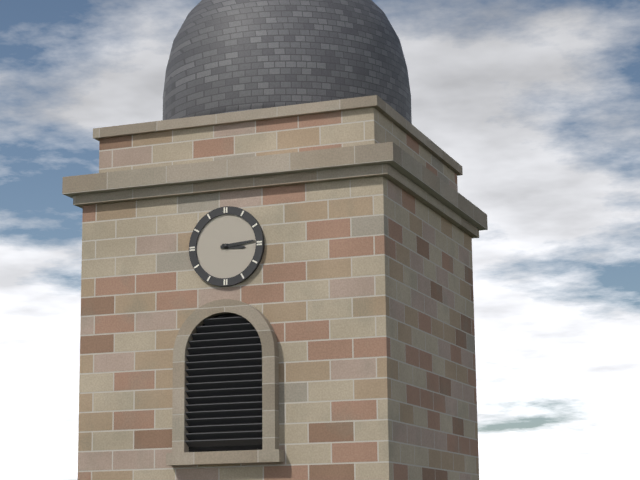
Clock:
3:14
